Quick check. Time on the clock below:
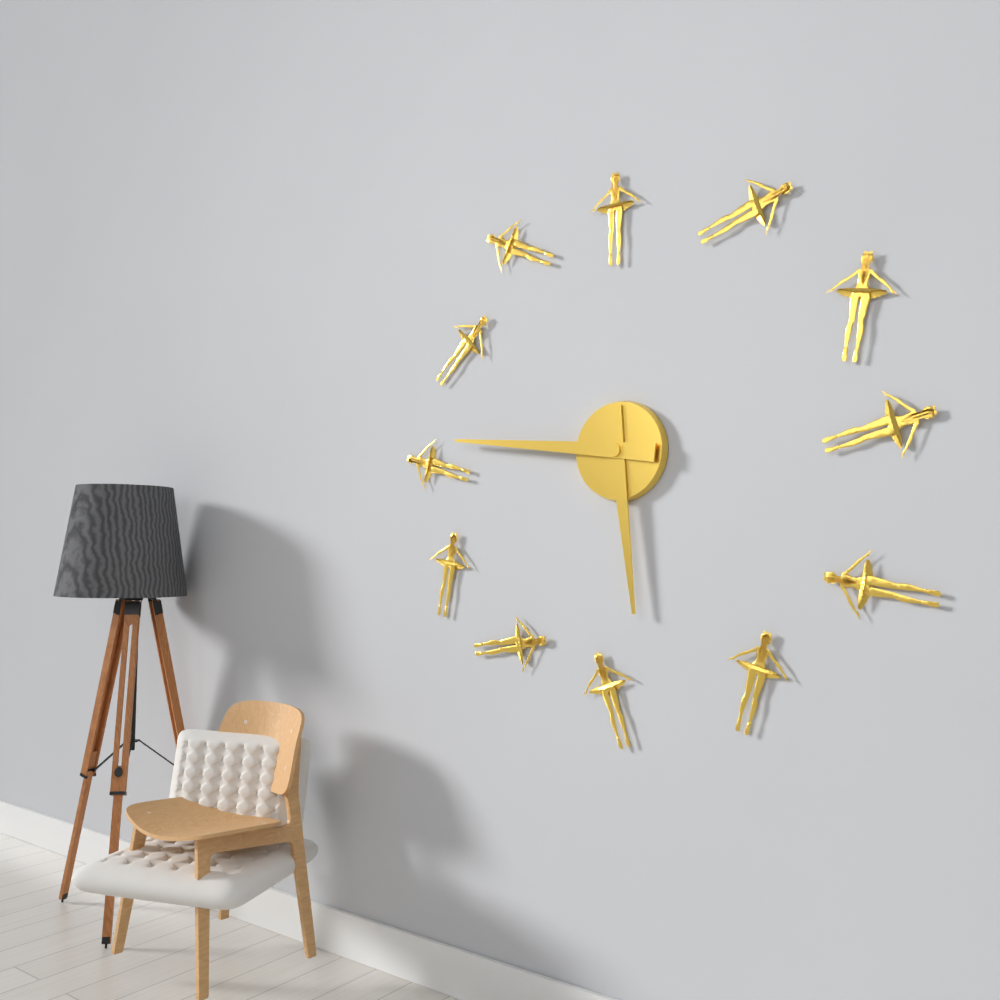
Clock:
5:46
